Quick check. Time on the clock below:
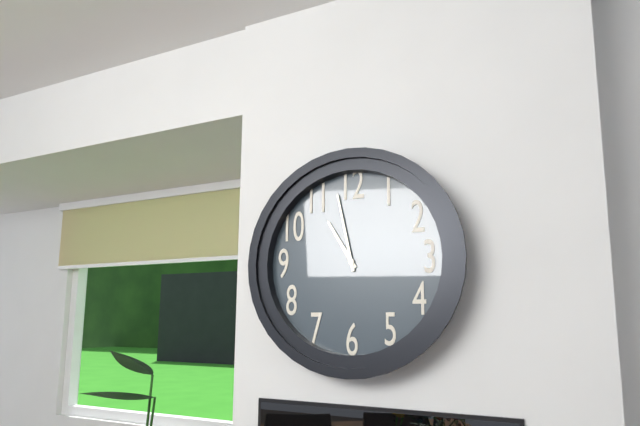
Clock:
10:58
